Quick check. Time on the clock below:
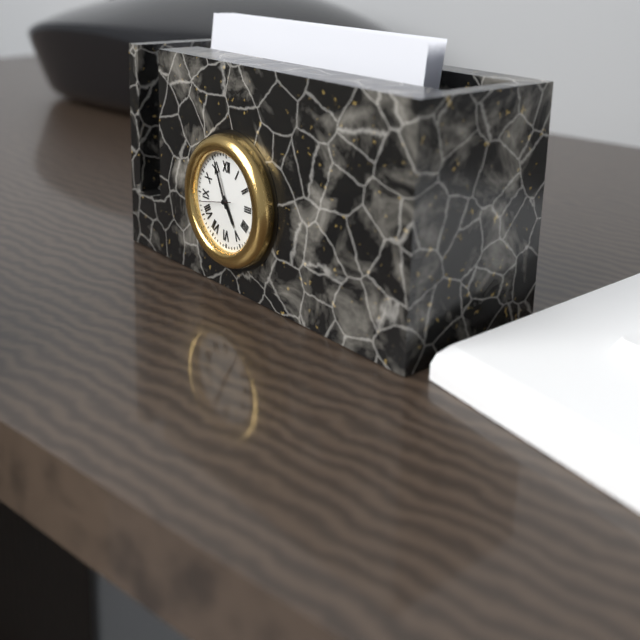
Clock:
4:56
